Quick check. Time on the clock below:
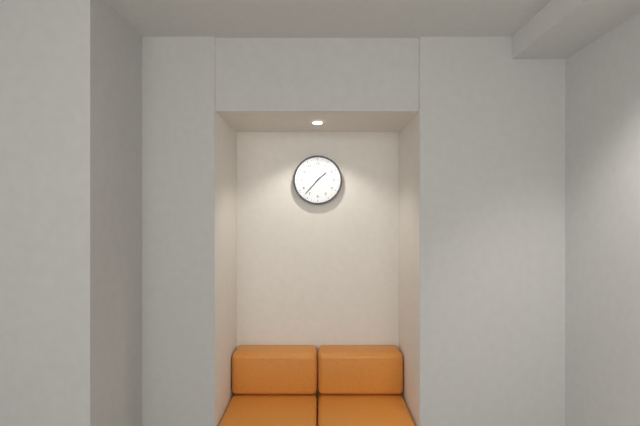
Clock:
1:37
